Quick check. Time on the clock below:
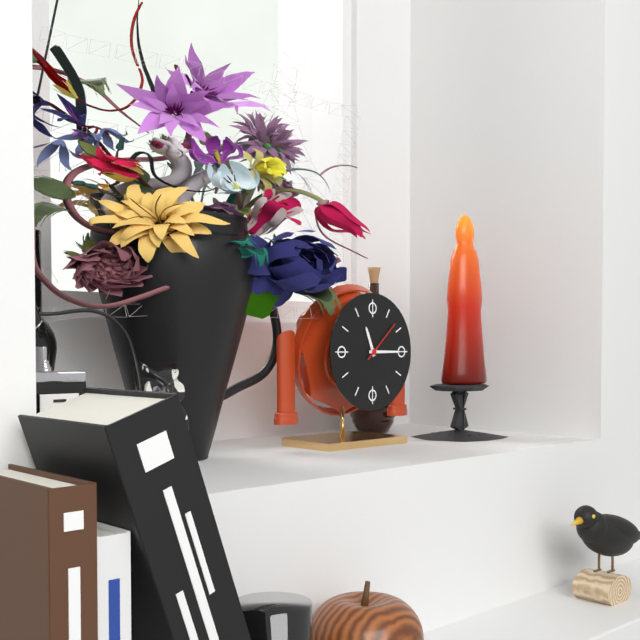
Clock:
11:15
